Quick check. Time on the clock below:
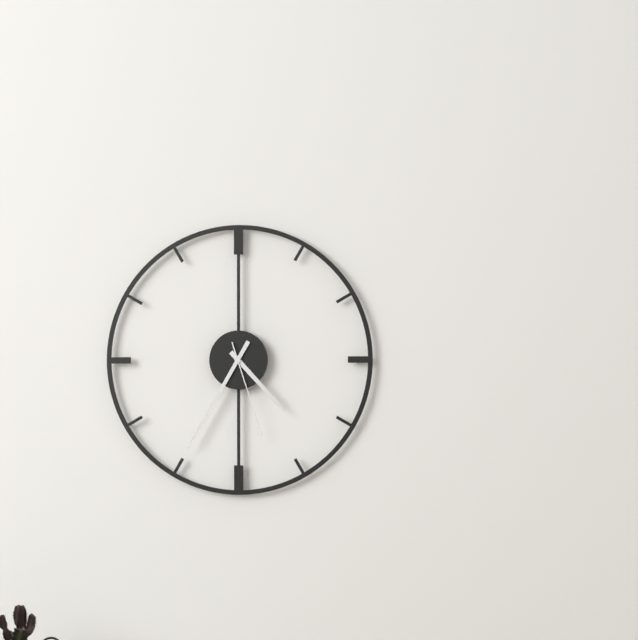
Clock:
4:35:27
